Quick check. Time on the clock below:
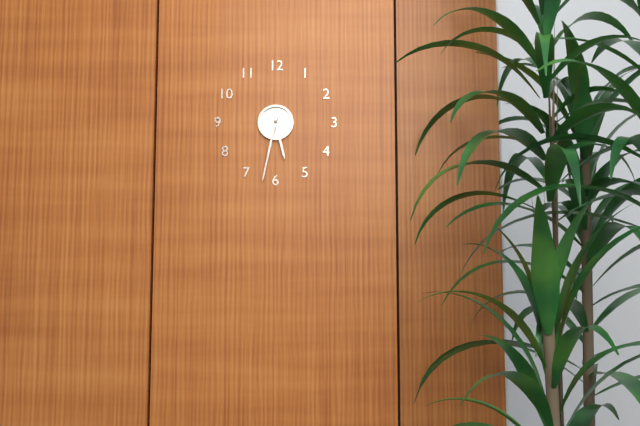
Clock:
5:32
